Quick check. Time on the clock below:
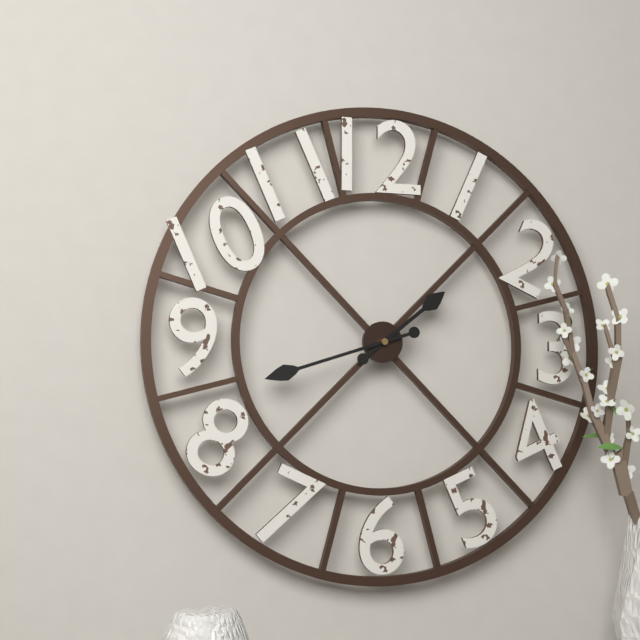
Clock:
1:42
